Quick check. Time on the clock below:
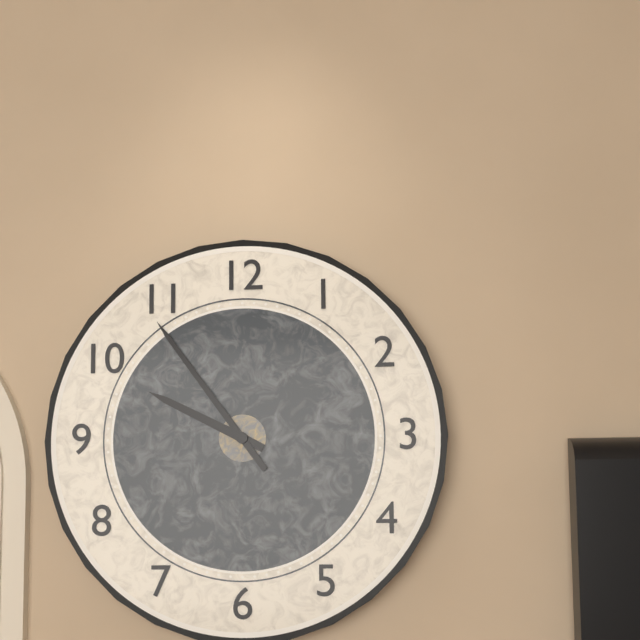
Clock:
9:54
